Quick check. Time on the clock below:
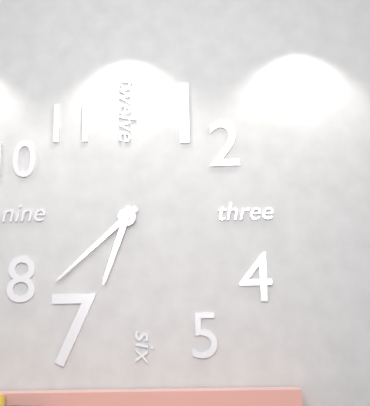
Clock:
6:38
